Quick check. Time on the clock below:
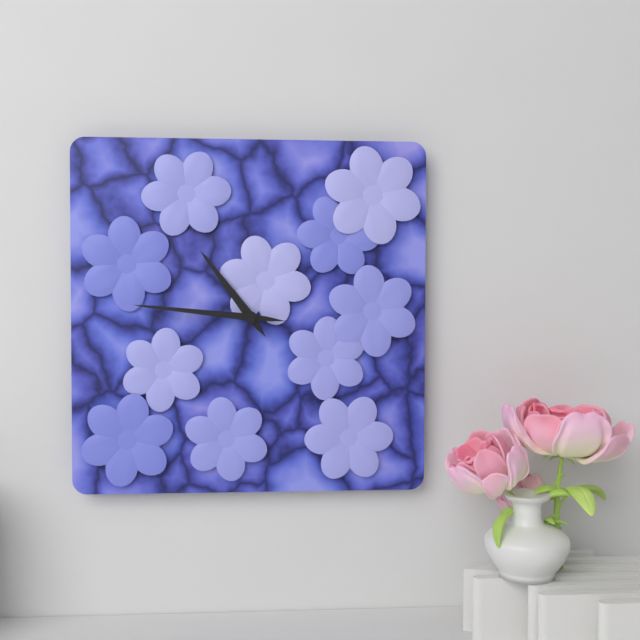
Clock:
10:46
